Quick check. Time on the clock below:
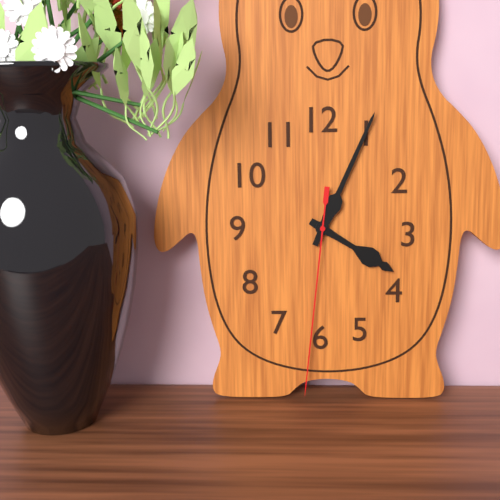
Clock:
4:04:31
